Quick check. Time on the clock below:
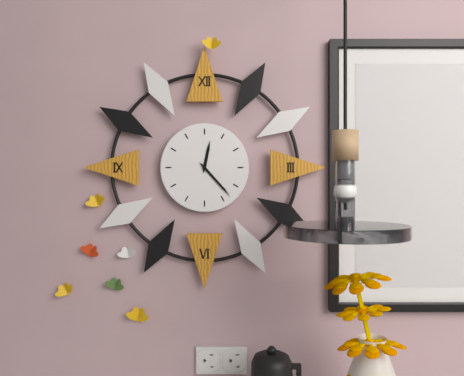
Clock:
12:23
